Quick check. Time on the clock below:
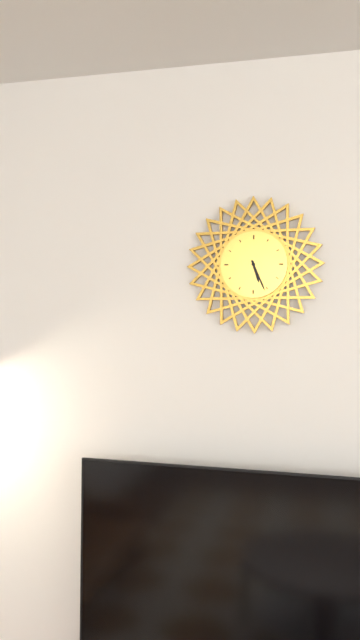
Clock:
5:26
